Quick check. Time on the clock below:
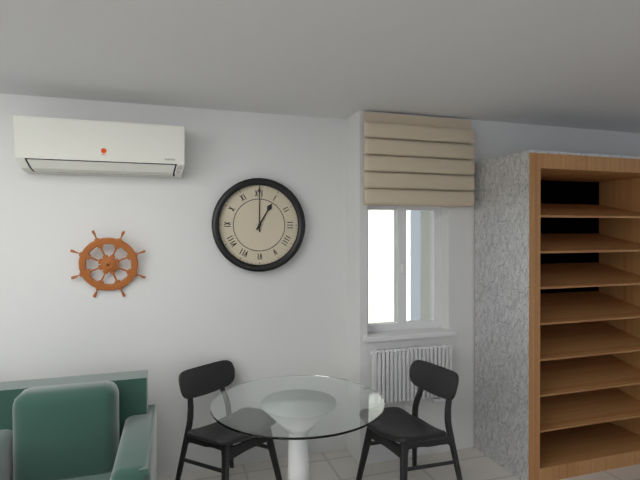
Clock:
1:00
